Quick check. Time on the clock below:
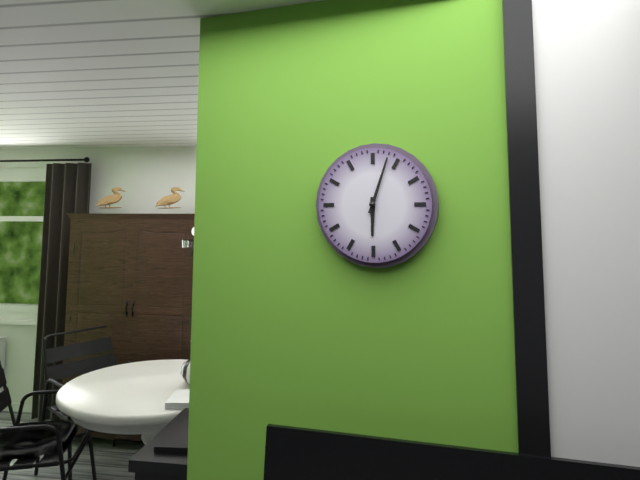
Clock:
6:03
